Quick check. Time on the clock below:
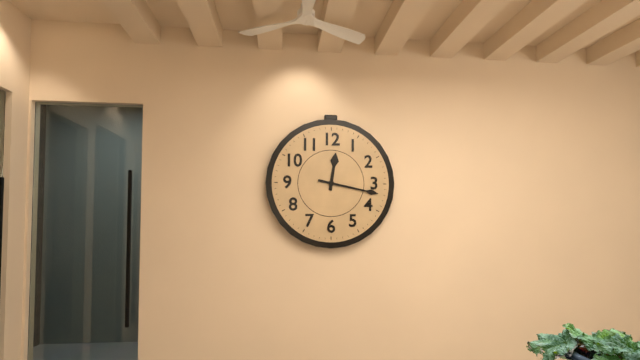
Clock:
12:17
